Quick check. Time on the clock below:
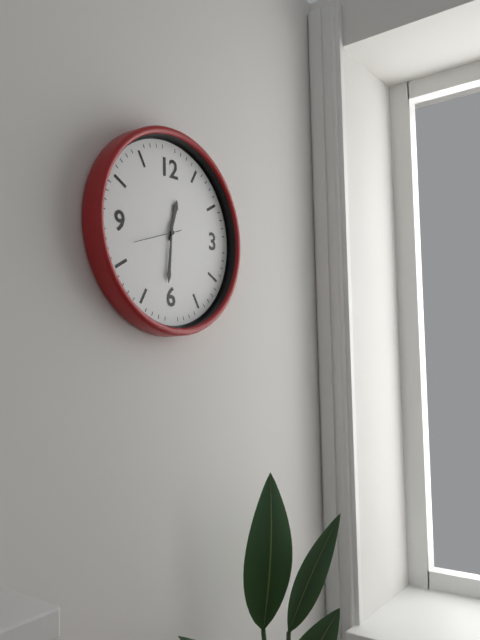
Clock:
12:31
